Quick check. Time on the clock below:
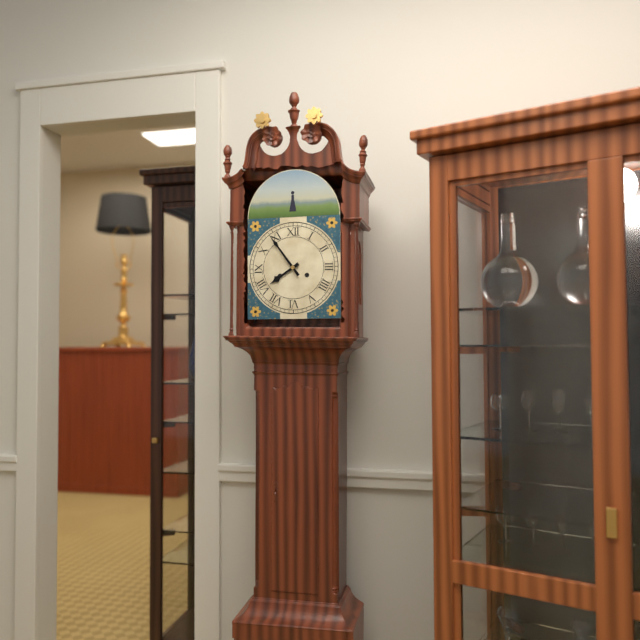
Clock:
7:54
